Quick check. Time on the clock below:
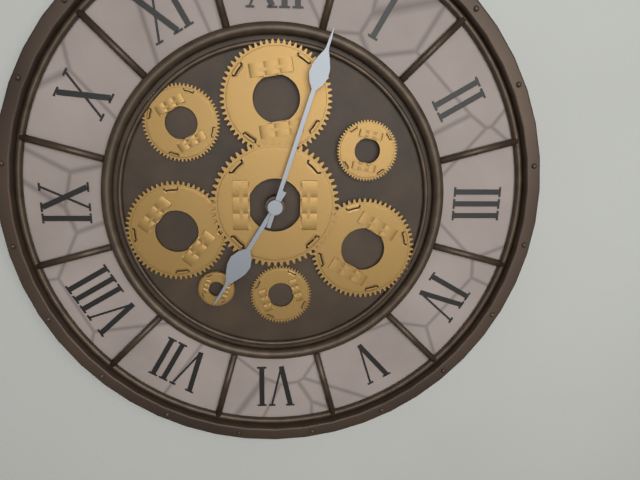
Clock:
7:03
